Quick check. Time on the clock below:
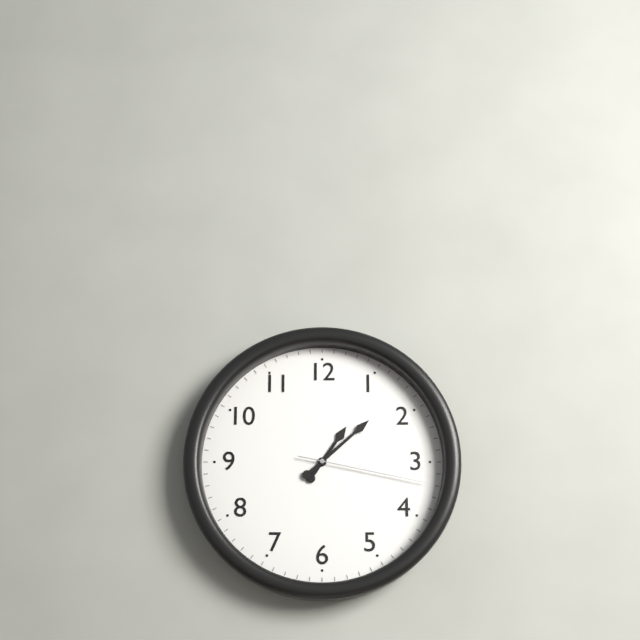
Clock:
1:08:17
